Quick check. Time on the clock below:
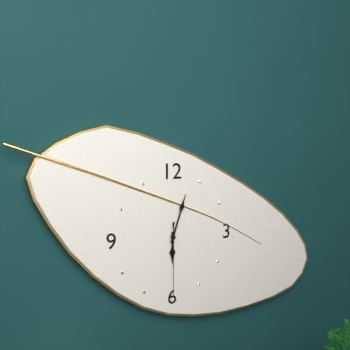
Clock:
6:03:30
